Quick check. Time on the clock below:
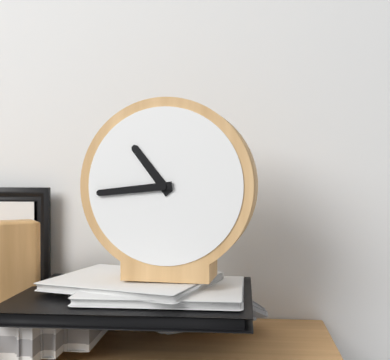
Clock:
10:44
